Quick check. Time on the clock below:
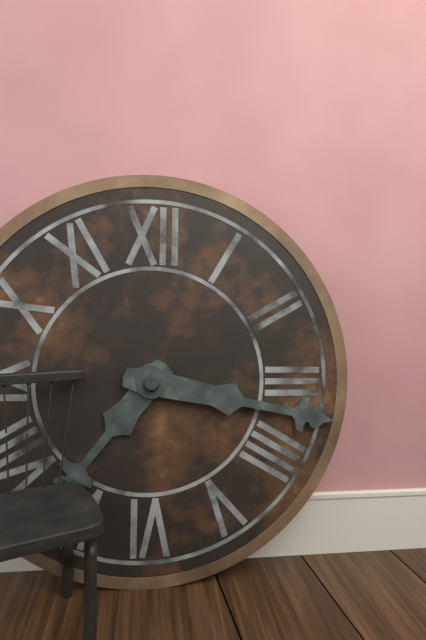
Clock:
7:17
